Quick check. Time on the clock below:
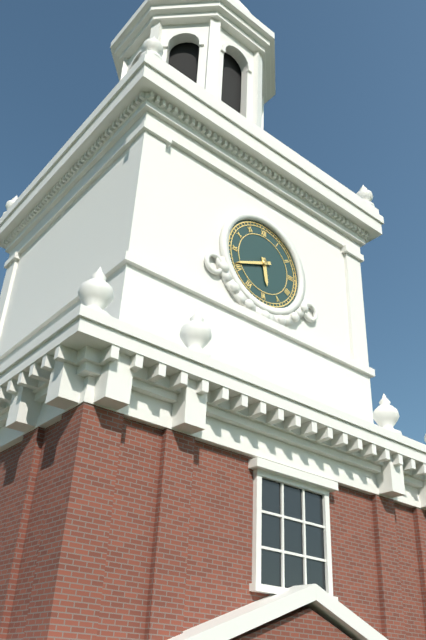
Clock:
5:41
